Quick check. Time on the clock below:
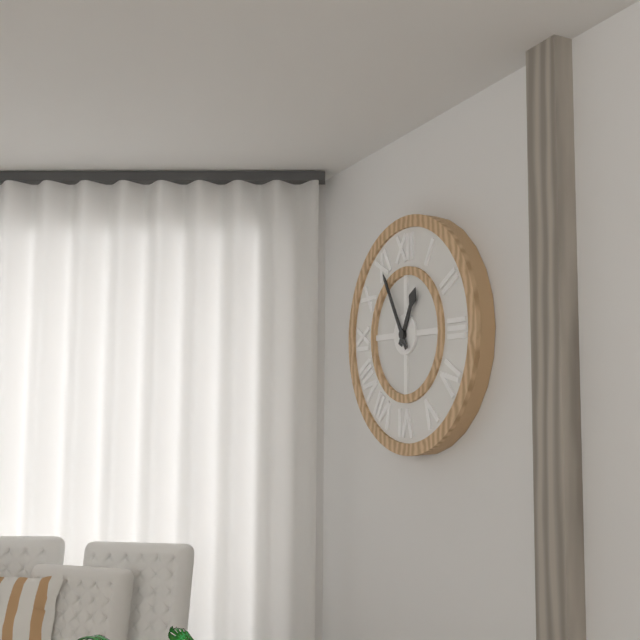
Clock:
12:55
